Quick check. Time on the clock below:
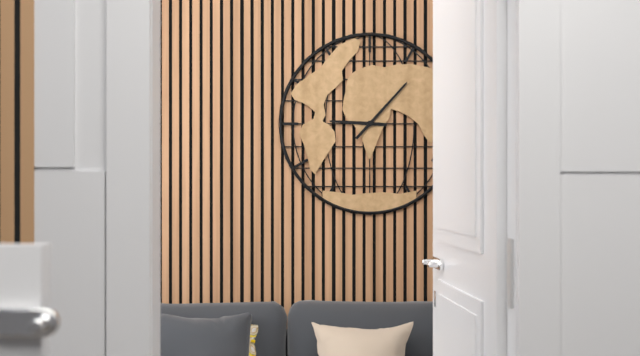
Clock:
9:07
